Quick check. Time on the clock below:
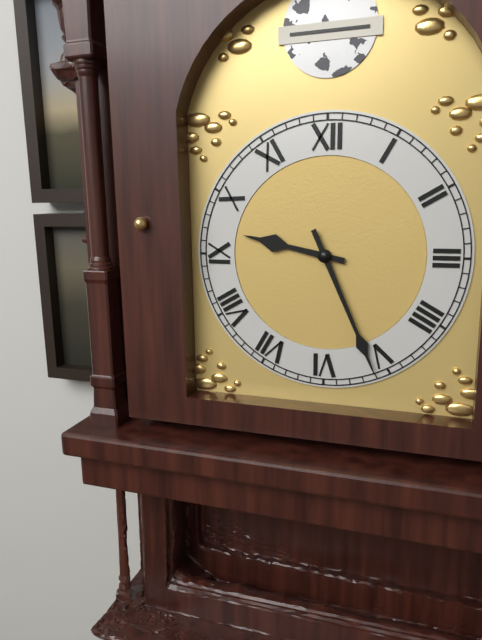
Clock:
9:26
